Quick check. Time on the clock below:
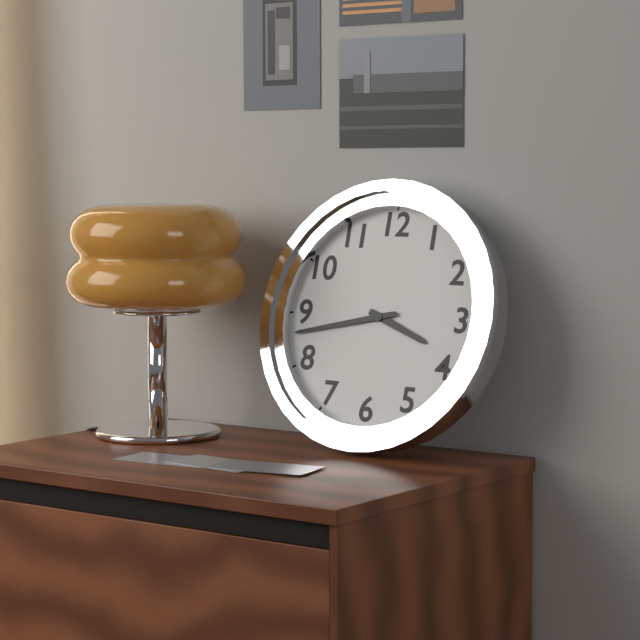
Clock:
3:43
